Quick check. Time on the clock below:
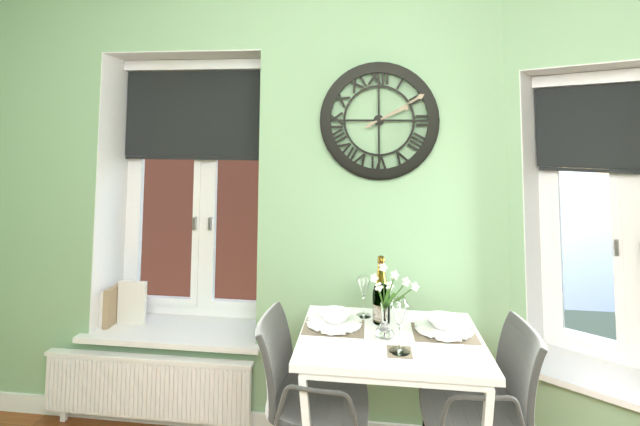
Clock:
2:10
